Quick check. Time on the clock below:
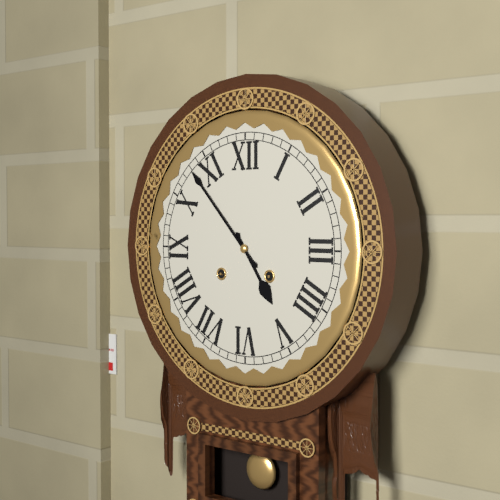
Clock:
4:53
